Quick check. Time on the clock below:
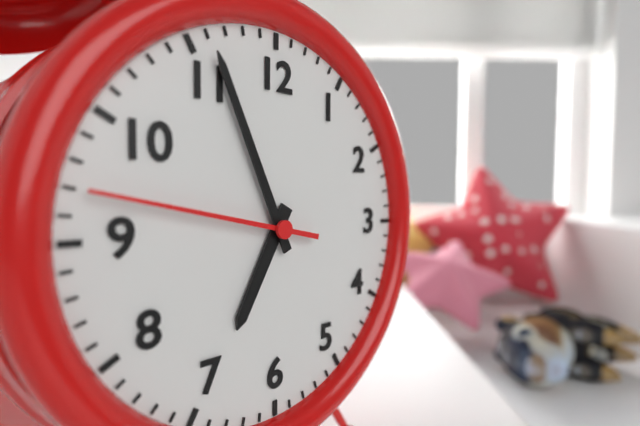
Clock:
6:56:47
